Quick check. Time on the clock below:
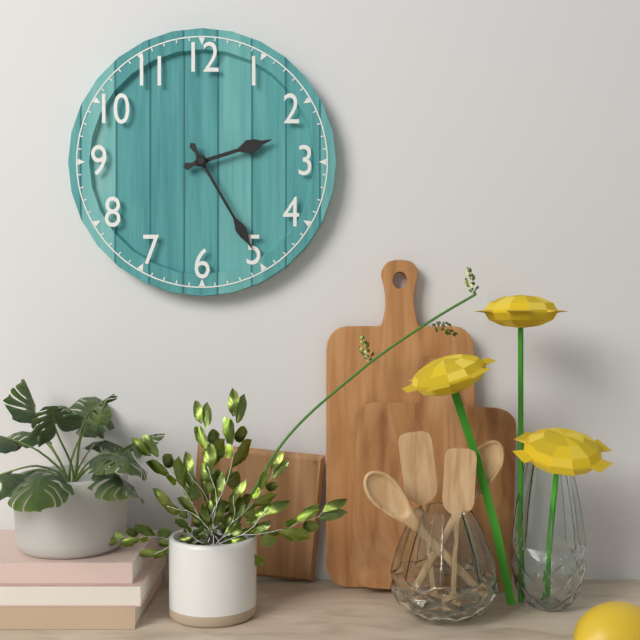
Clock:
2:25
